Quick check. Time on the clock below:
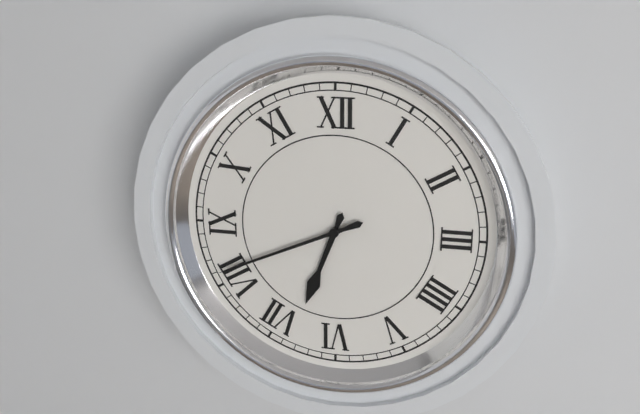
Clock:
6:41
